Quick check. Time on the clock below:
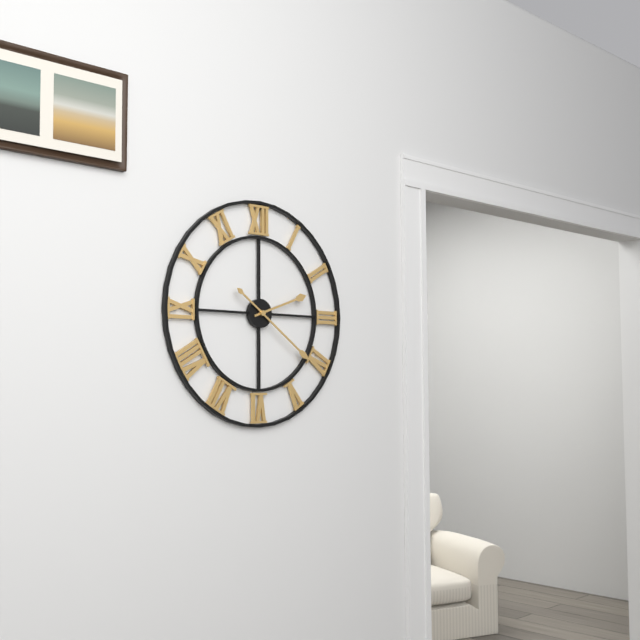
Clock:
2:21
